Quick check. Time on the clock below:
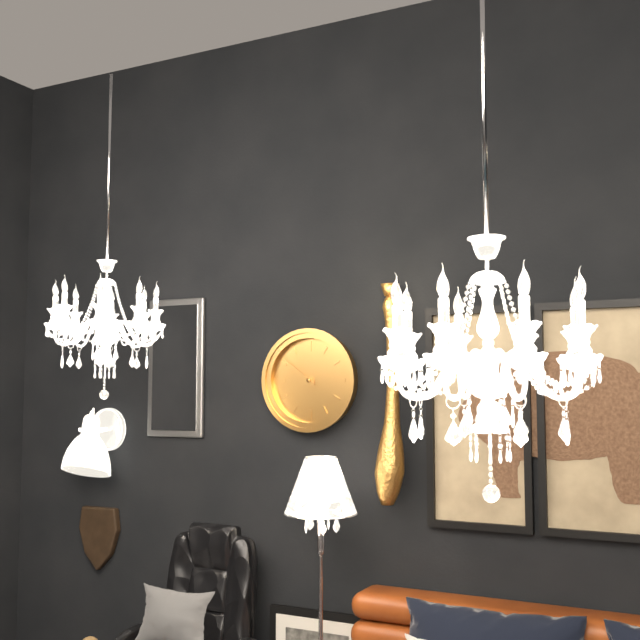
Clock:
9:51
